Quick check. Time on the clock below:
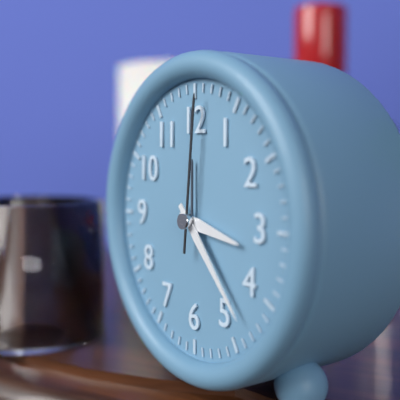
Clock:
3:23:01
